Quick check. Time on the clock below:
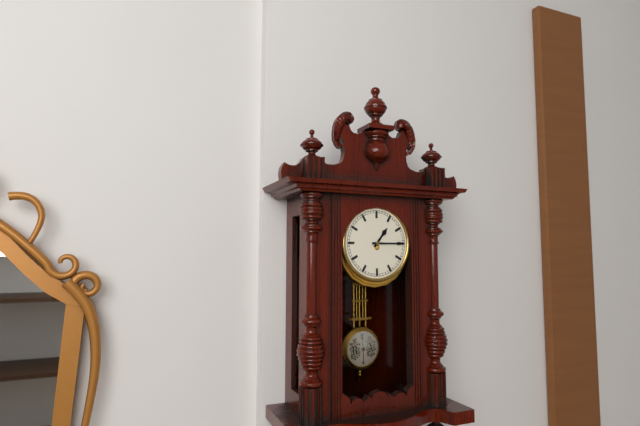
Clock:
1:15
